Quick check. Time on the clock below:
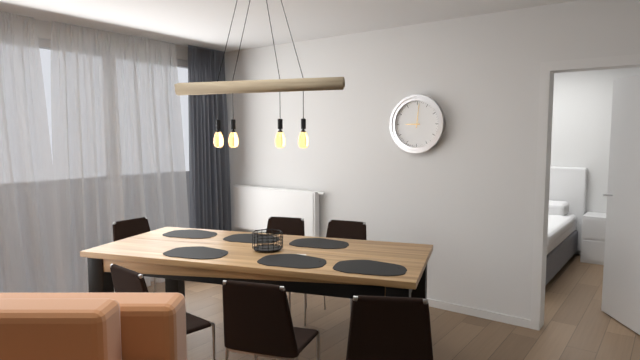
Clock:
9:01
